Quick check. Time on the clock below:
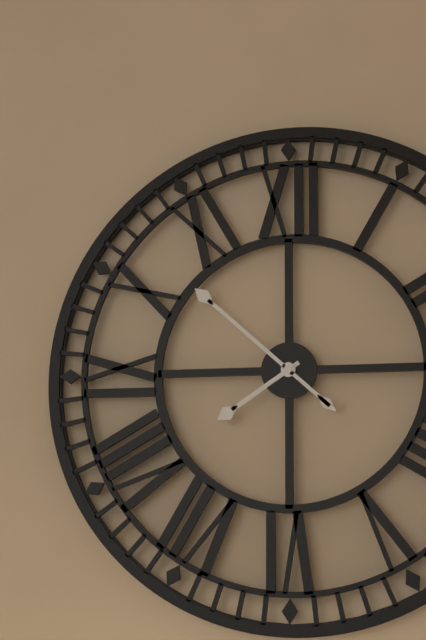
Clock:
7:52
